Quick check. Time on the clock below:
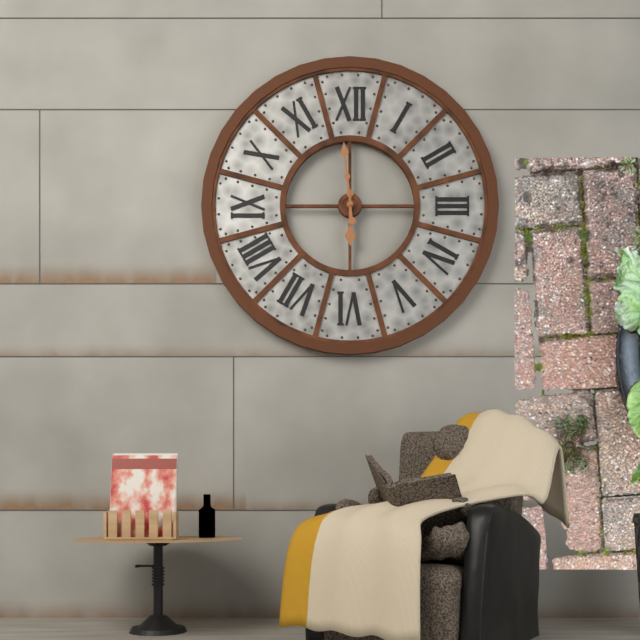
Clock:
5:59
